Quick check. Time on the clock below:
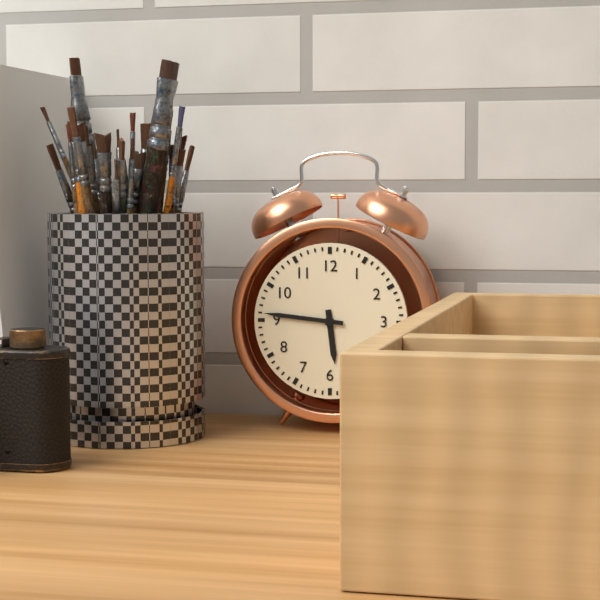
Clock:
5:46
